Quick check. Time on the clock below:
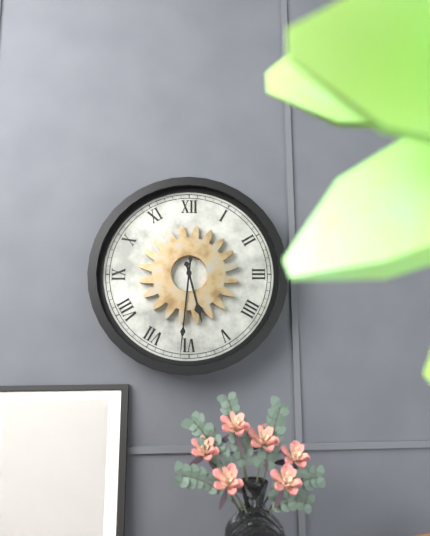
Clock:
5:31
